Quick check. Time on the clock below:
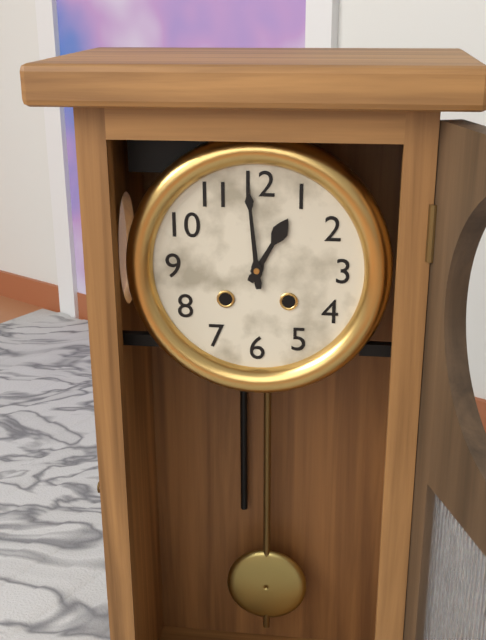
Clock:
12:59
